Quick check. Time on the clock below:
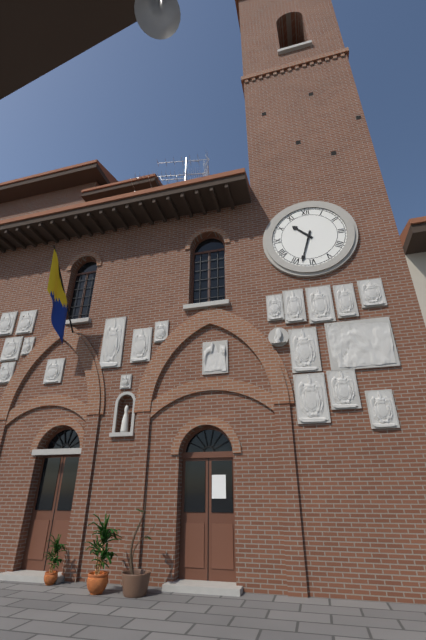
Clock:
10:33
